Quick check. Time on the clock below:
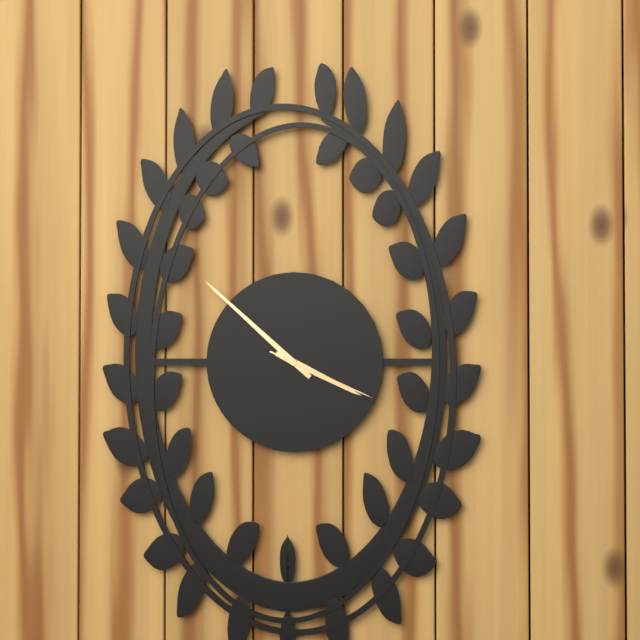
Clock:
3:52:19
